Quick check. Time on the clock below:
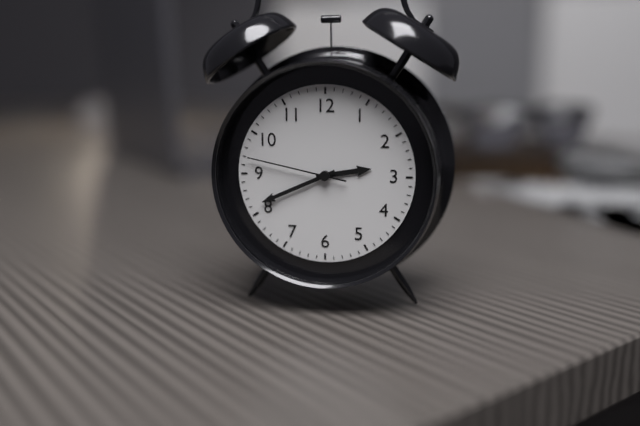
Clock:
2:41:47
